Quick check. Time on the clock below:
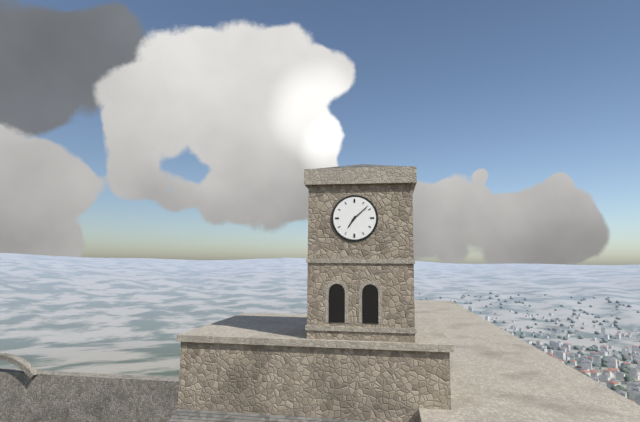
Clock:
7:08
